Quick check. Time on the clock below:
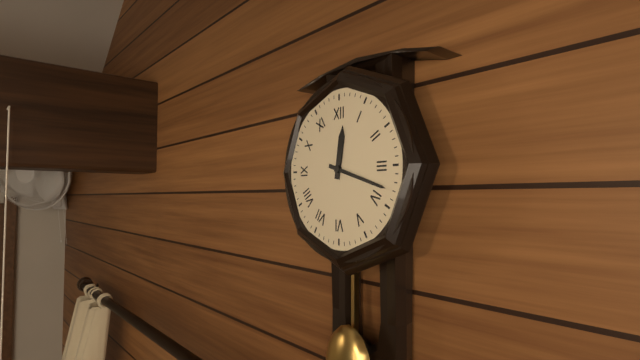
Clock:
12:18
